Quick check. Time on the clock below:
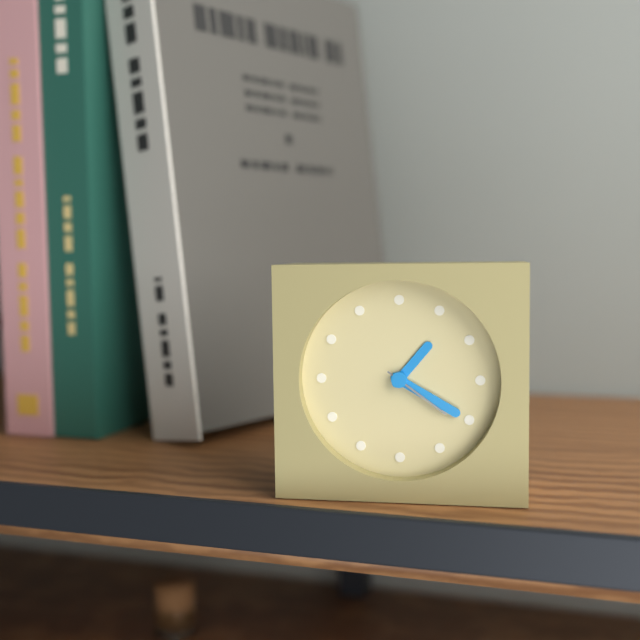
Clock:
1:20:21
